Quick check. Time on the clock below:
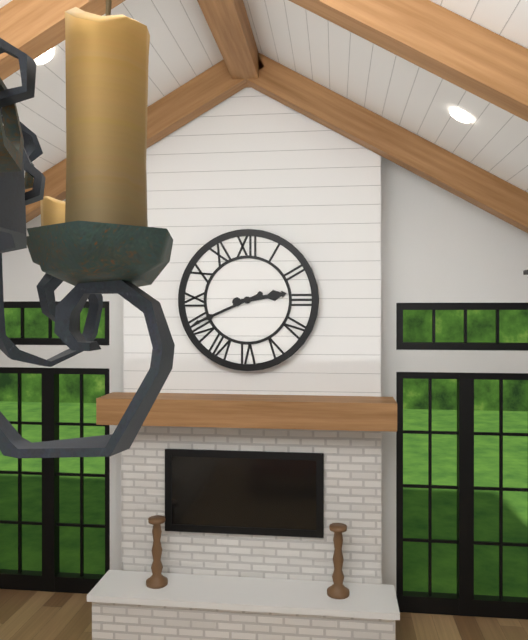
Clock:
2:41
